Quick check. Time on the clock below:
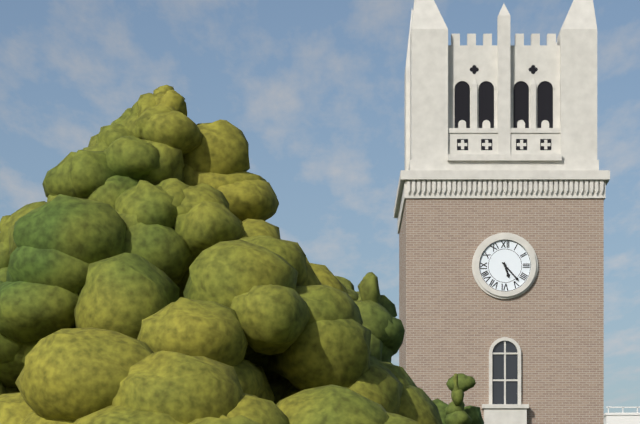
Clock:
5:23
